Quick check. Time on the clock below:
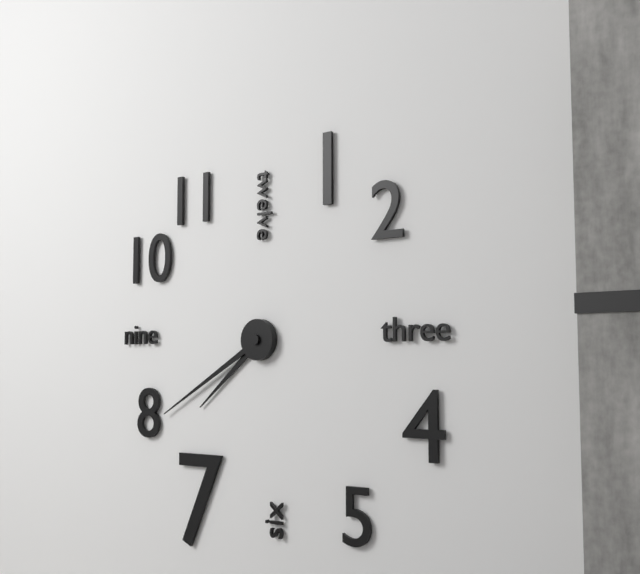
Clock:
7:40
